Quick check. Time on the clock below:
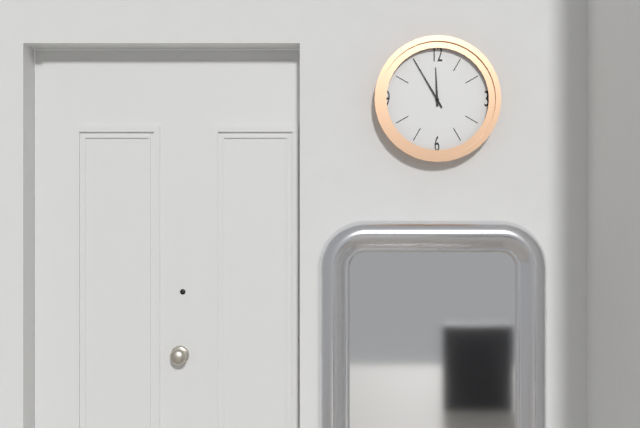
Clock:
11:55
